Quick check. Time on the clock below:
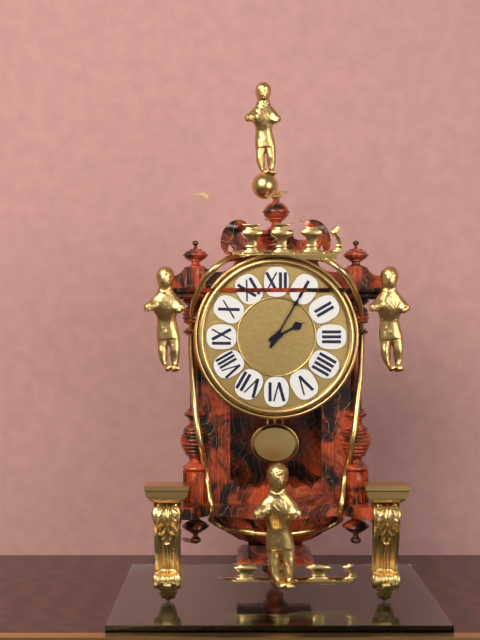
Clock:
2:05
